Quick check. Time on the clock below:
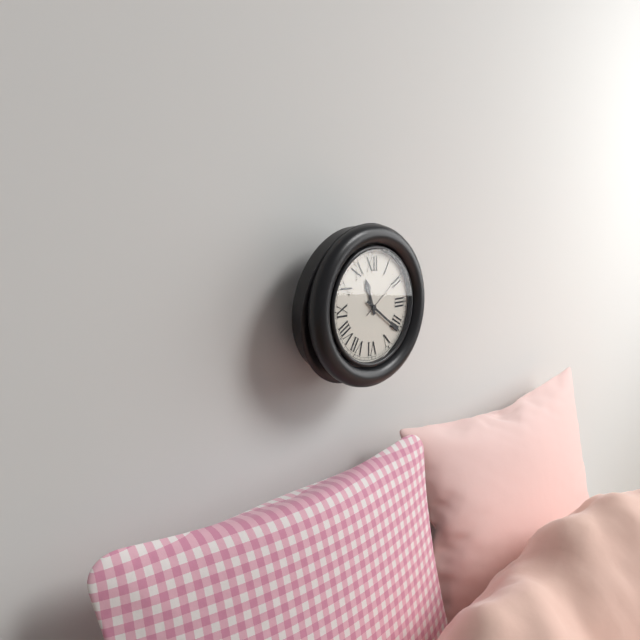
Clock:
11:21:09
